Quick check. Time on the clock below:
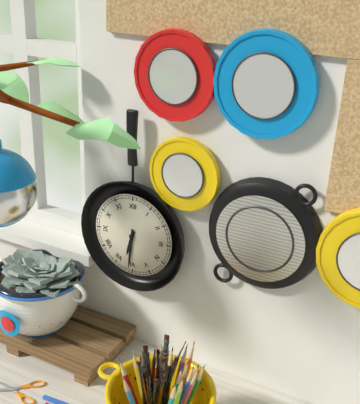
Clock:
6:31
